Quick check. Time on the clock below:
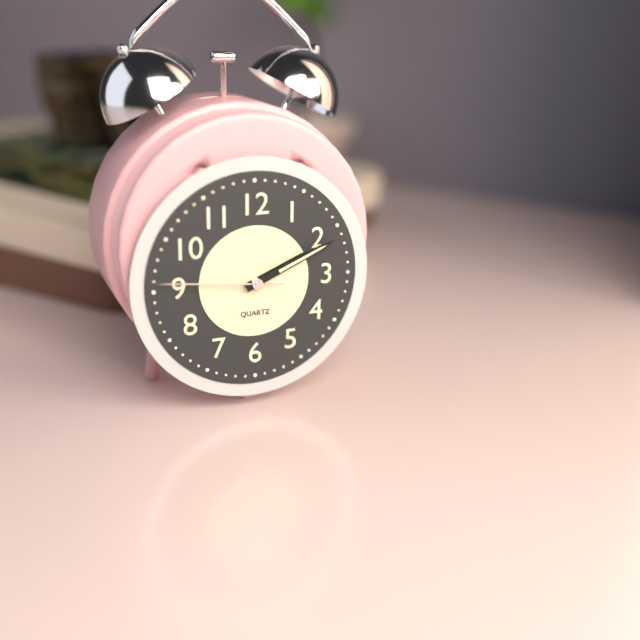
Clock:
2:11:46
